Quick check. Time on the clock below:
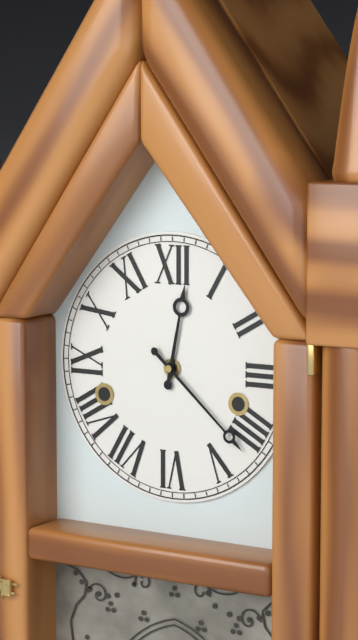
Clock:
12:22
